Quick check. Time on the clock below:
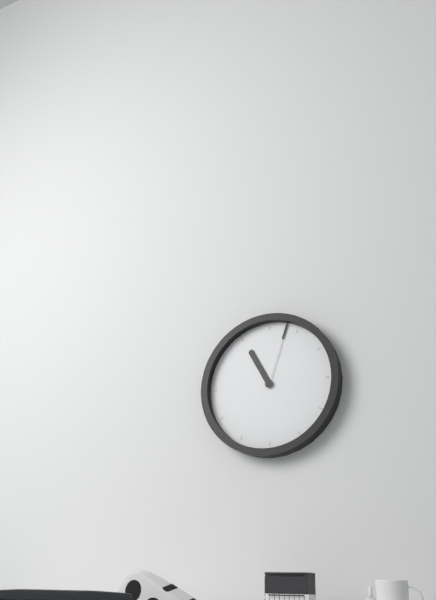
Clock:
11:03
